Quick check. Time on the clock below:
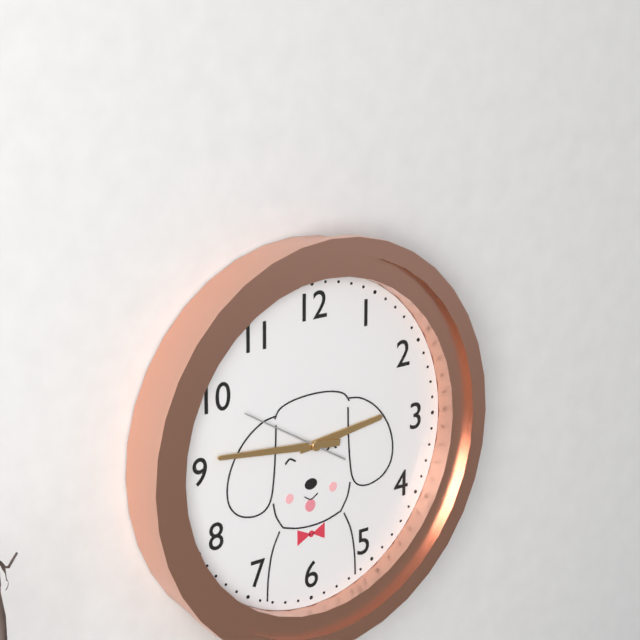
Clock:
2:46:50
